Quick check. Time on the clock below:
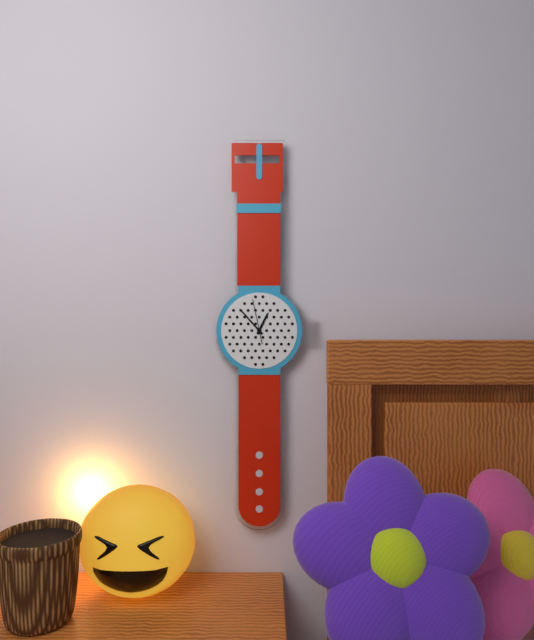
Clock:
12:53
